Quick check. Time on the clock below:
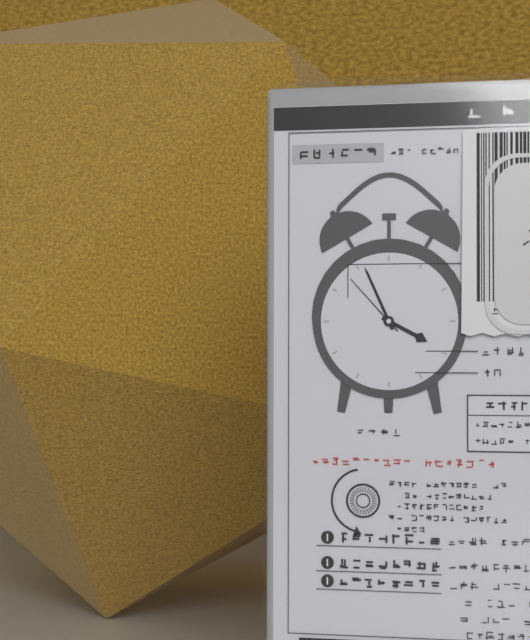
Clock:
3:56:53
